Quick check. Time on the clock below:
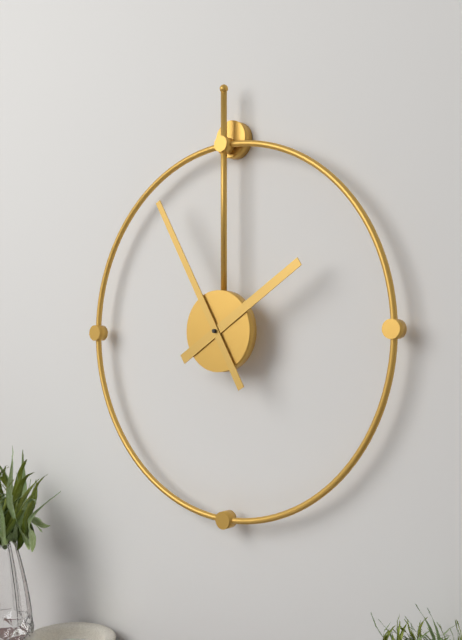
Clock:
1:55
